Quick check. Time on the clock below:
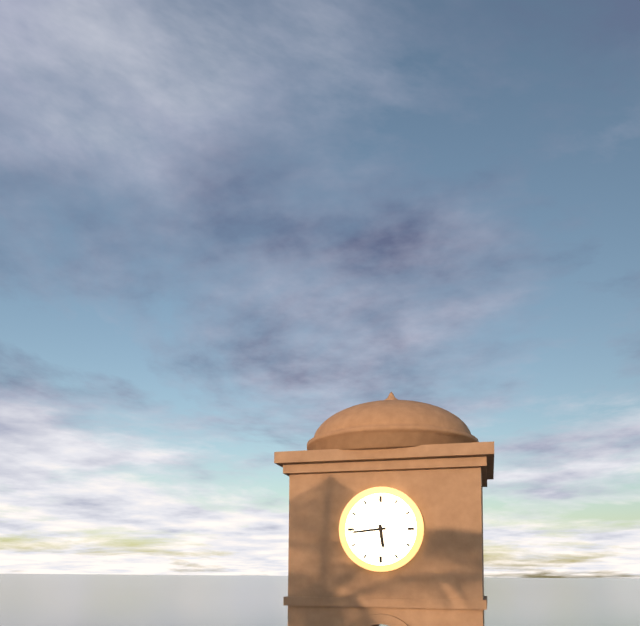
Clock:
5:44
